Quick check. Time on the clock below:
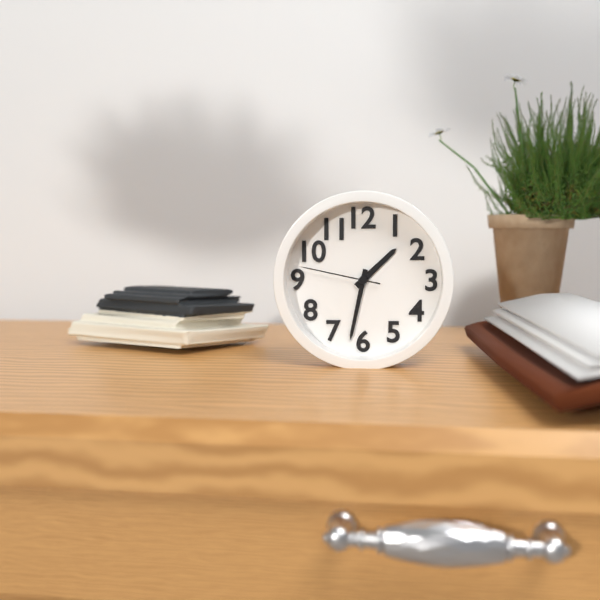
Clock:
1:32:47
